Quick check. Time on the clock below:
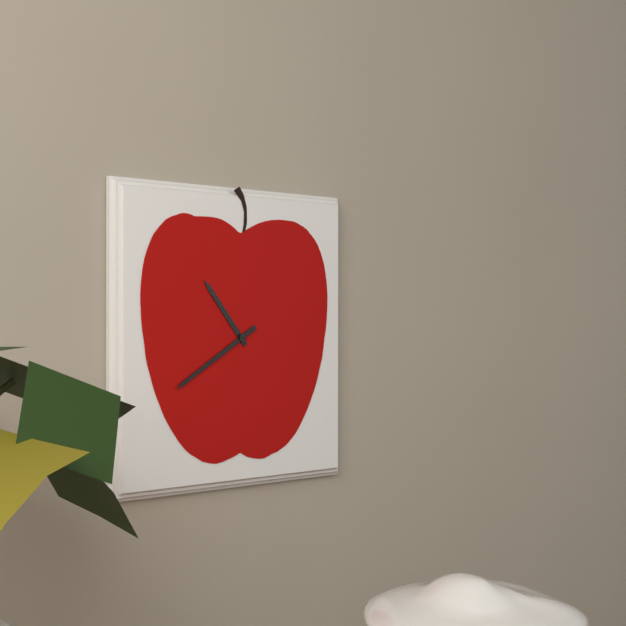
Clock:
10:40
